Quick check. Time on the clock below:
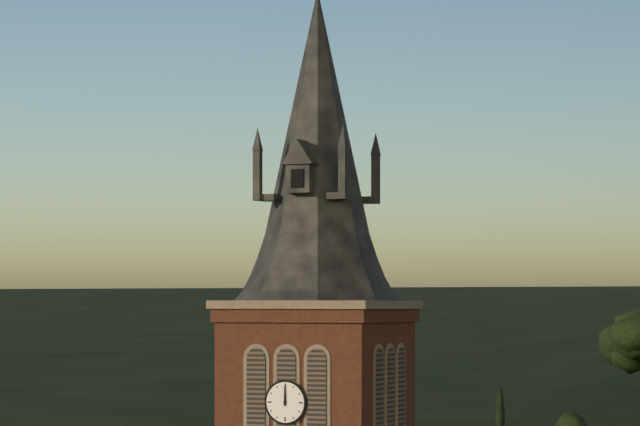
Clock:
12:00
